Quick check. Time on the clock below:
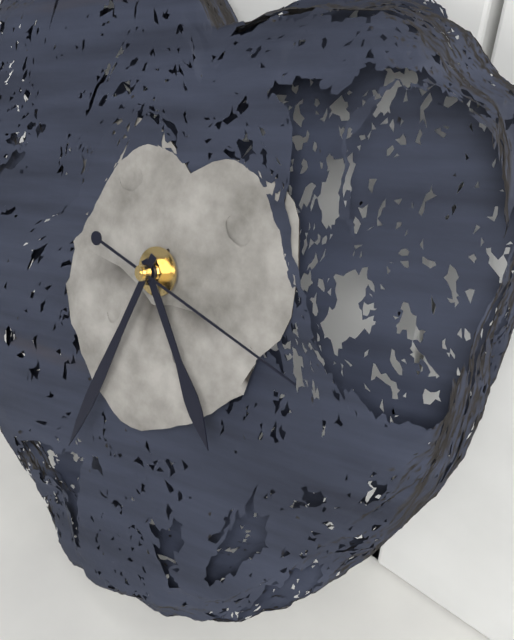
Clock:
4:32:16
